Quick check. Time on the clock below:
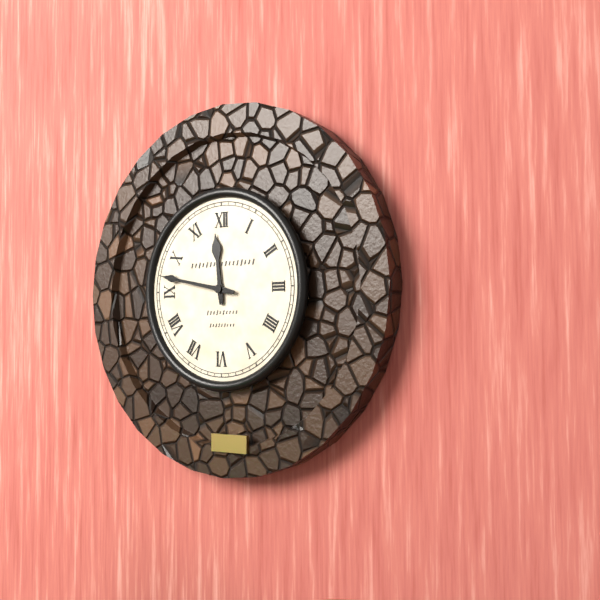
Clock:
11:47
